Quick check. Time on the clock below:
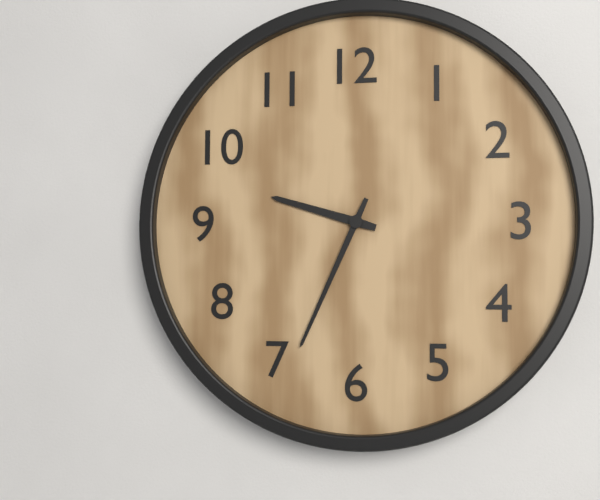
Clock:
9:34
